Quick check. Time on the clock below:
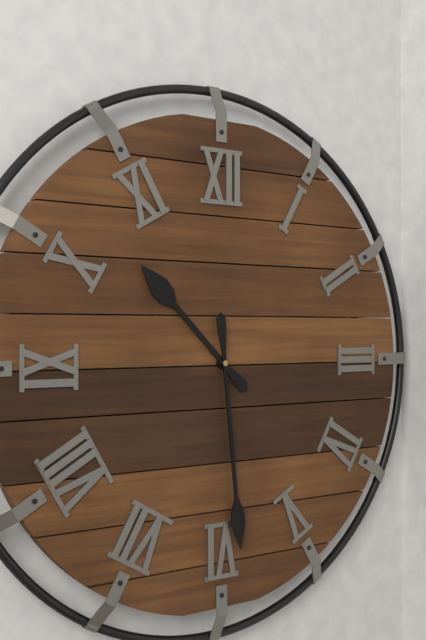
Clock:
10:29
